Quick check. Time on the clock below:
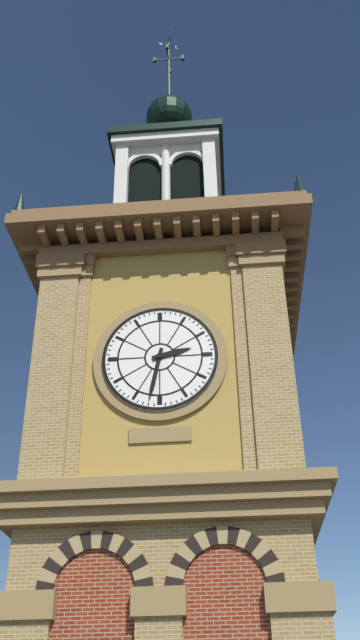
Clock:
2:32
